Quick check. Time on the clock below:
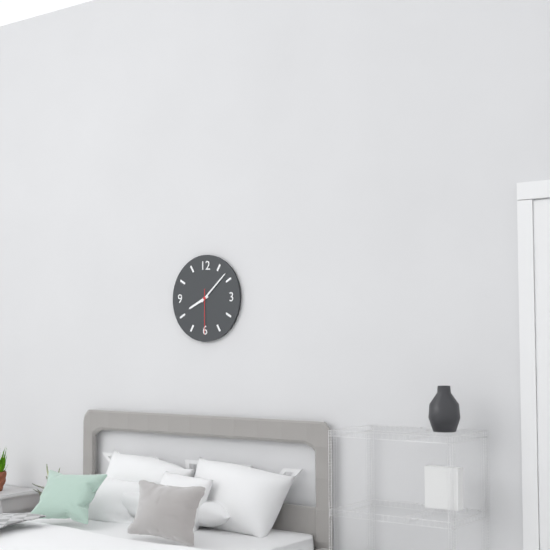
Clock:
8:08
